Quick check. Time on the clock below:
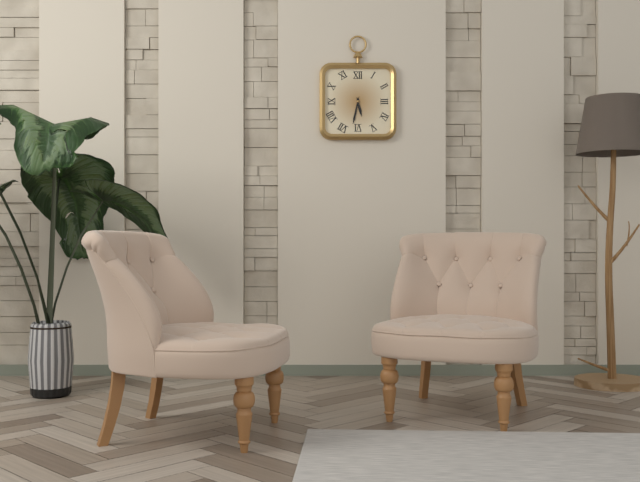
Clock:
5:32
